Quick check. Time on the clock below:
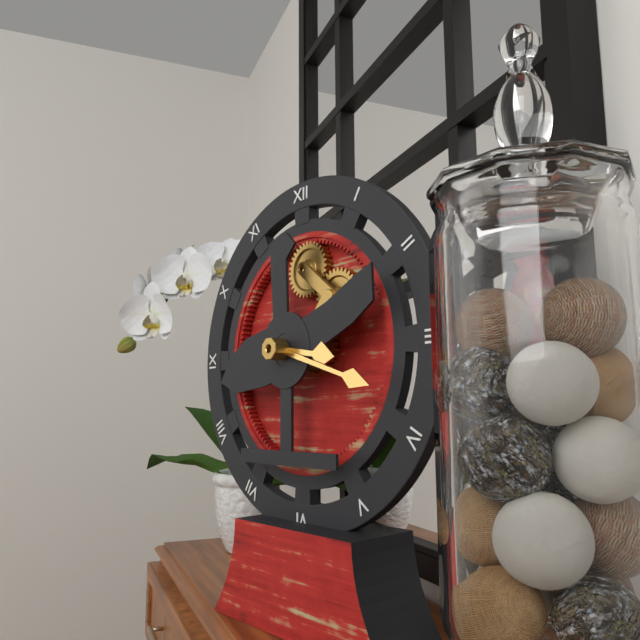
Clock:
3:18
